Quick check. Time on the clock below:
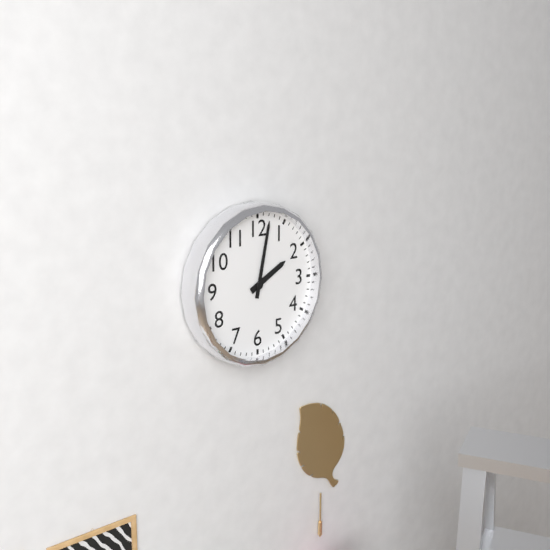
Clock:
2:02
